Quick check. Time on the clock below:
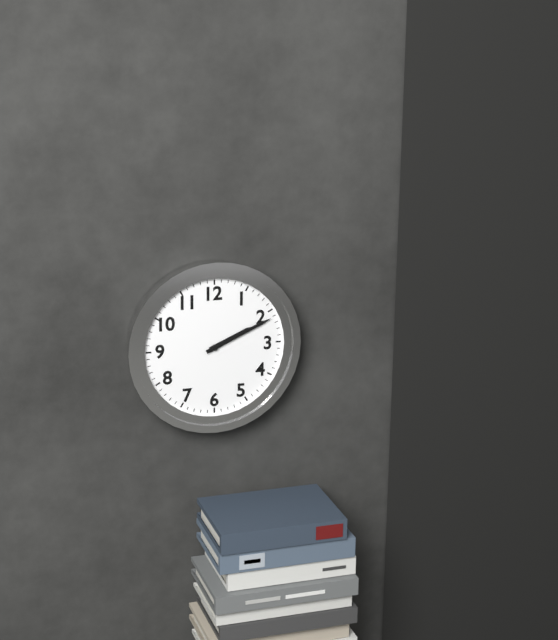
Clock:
2:11
